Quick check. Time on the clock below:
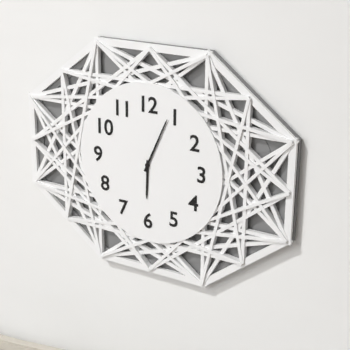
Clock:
6:04
